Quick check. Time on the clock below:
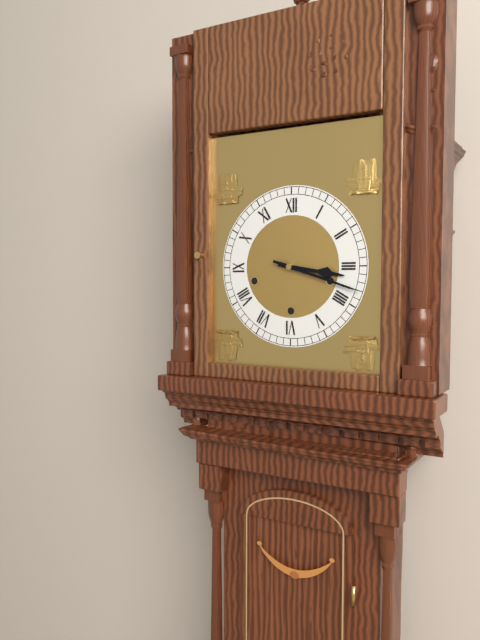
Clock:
3:18
